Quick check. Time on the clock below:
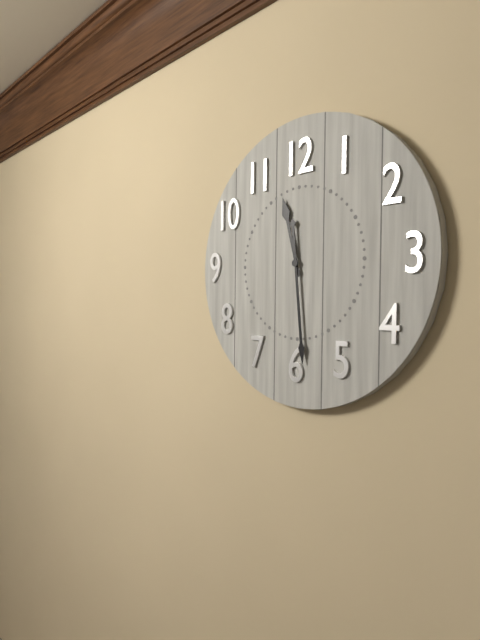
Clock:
11:29
